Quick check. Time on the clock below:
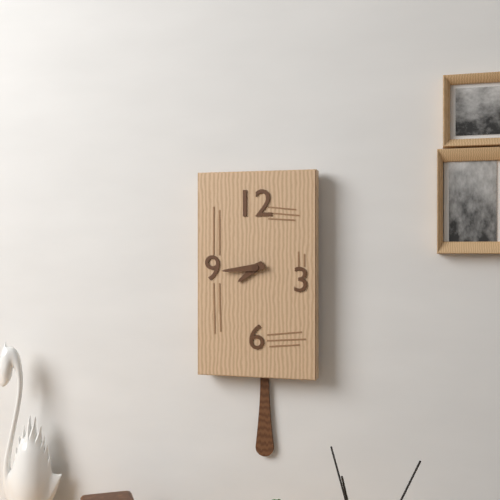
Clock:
7:44
